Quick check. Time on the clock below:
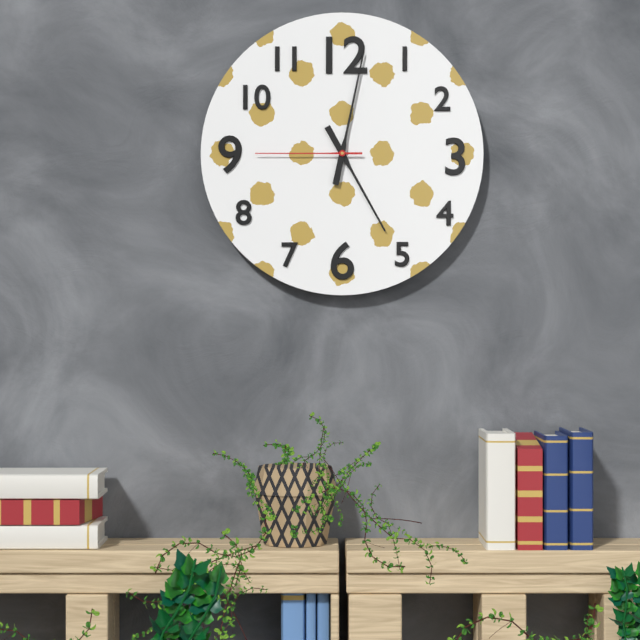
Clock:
5:02:45
